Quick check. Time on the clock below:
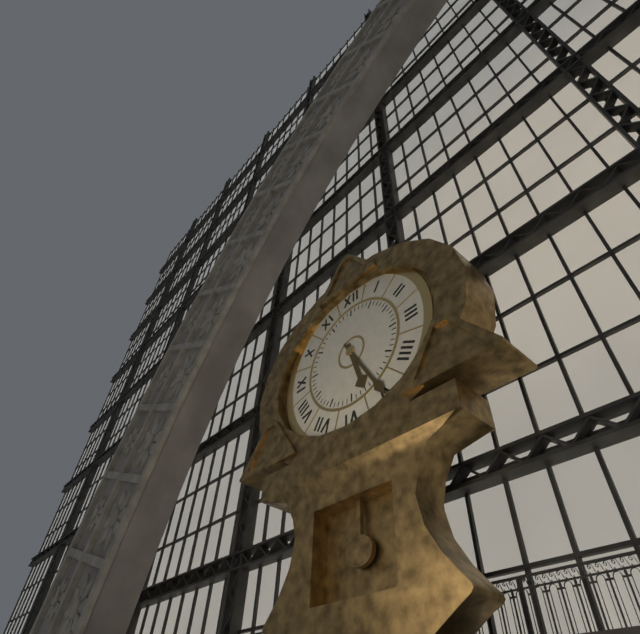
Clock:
5:25
